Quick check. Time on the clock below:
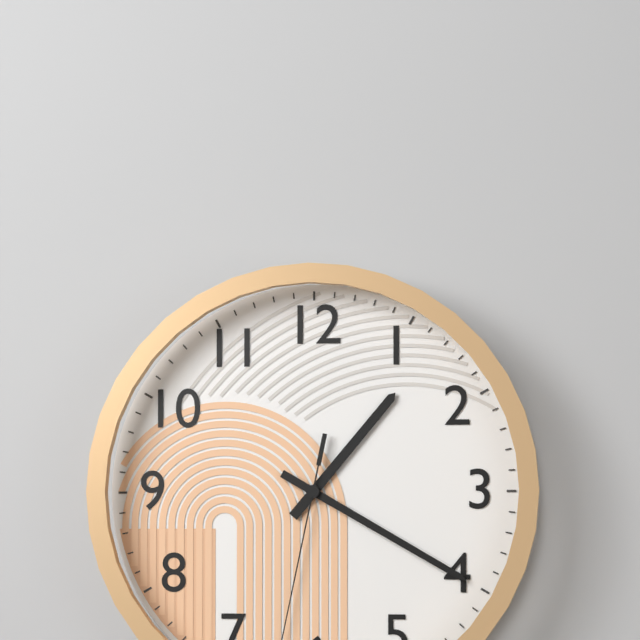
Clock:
1:20
